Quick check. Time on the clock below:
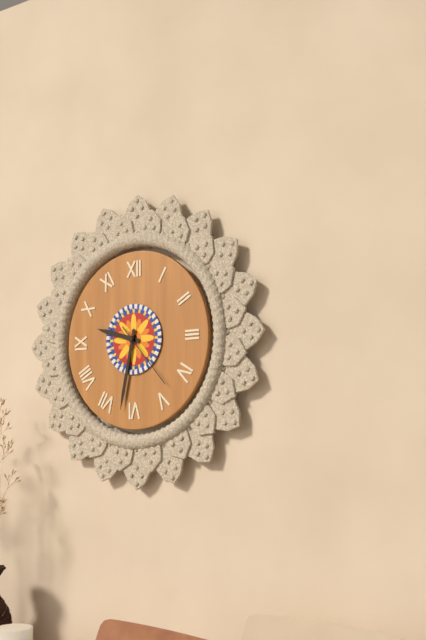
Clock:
9:32:23
